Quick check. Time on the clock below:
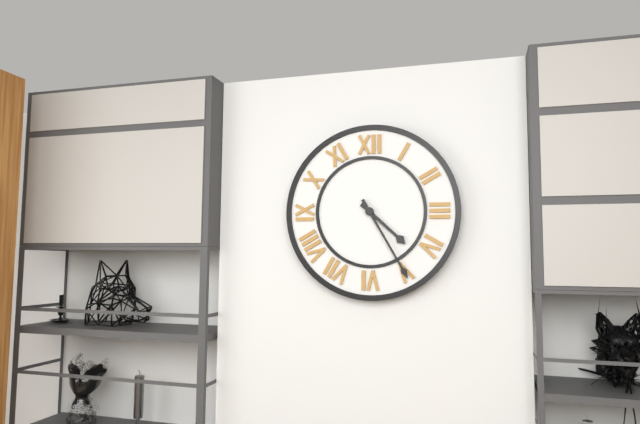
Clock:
4:25
